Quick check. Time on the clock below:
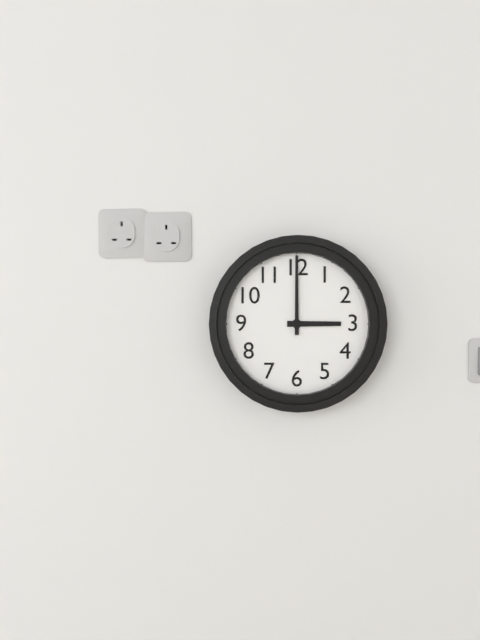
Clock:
3:00
